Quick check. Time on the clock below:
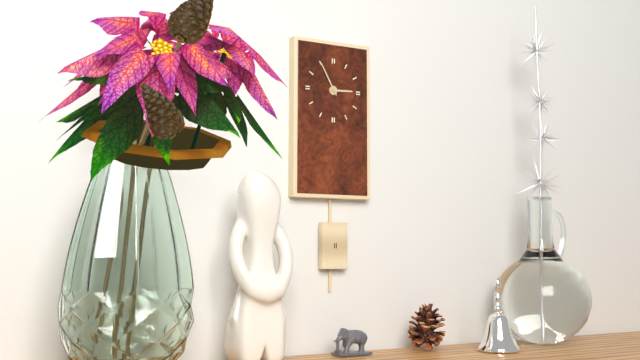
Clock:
2:55
